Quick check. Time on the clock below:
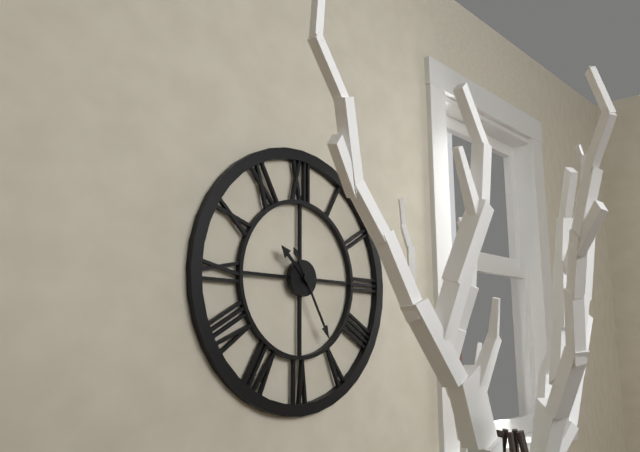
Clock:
10:25
